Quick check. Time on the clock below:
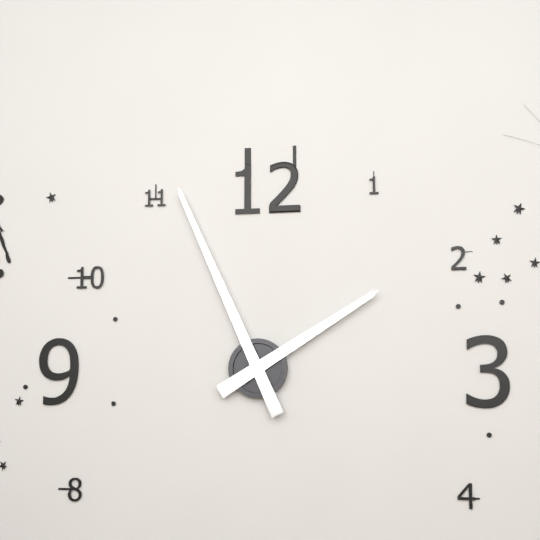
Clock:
1:56
